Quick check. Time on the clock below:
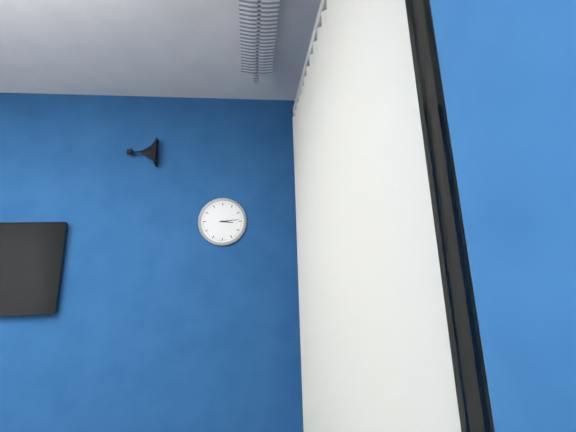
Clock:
3:14
